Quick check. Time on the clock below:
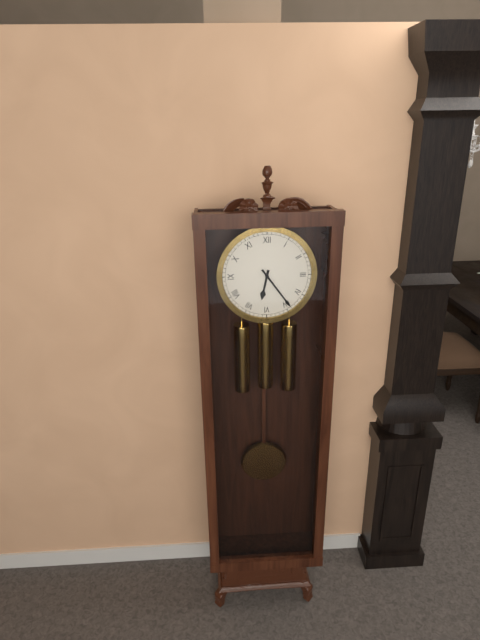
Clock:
6:24
